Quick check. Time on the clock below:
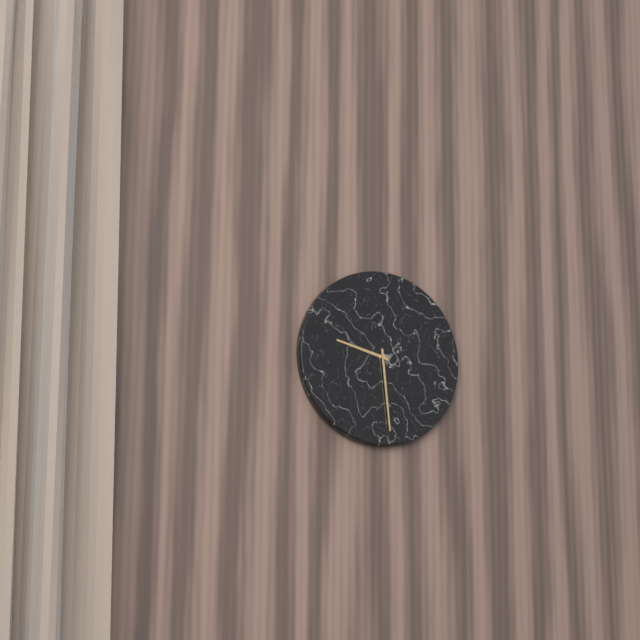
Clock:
9:29
